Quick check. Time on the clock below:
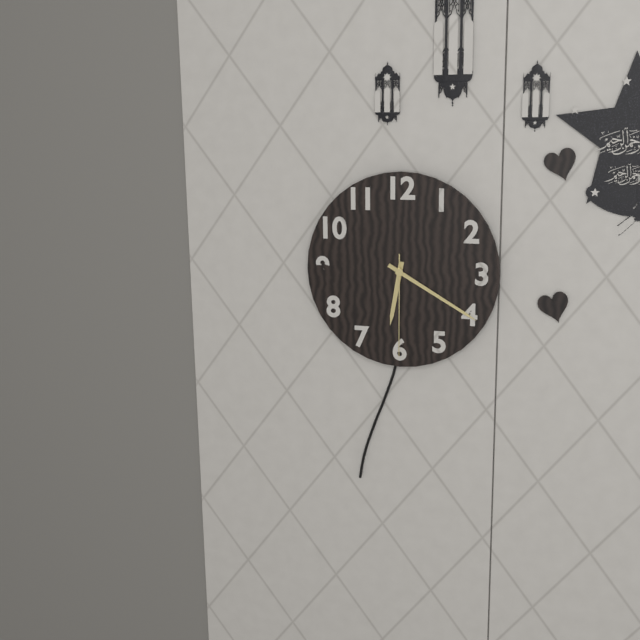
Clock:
6:20:30
